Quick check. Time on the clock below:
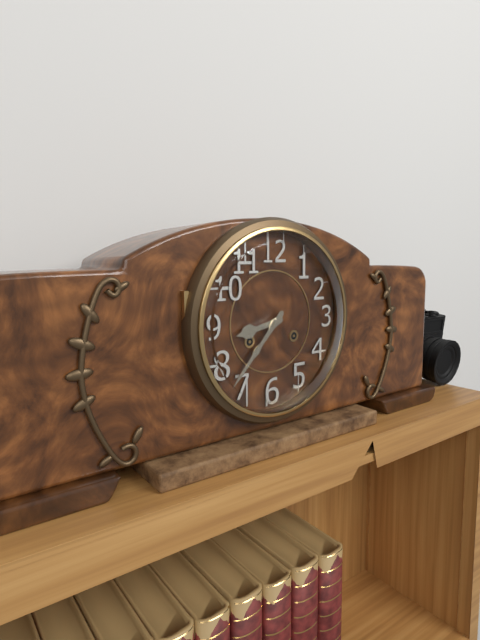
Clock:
8:37
